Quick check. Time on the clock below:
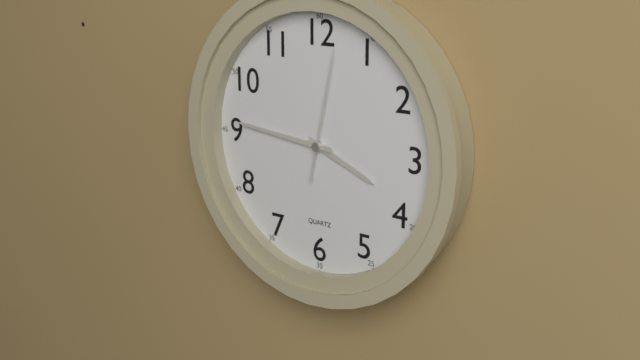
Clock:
3:46:02
